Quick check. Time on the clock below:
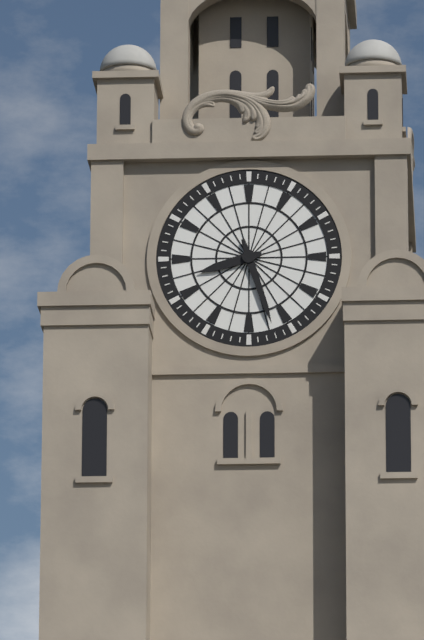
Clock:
8:27
